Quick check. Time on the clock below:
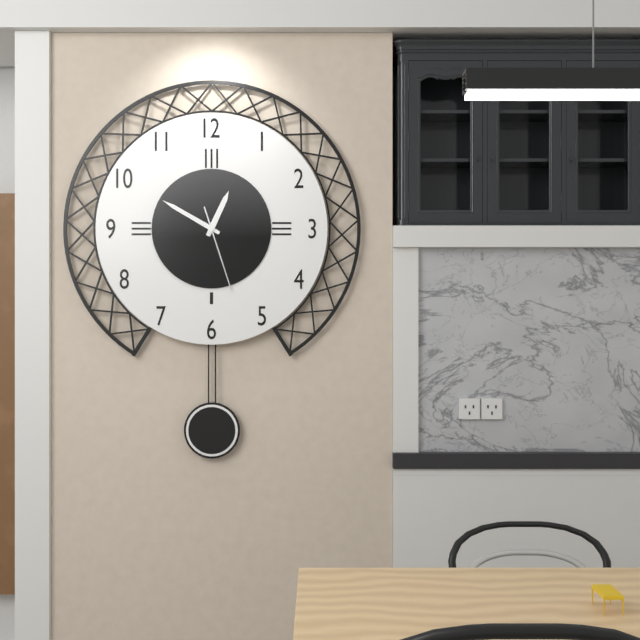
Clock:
12:50:27
